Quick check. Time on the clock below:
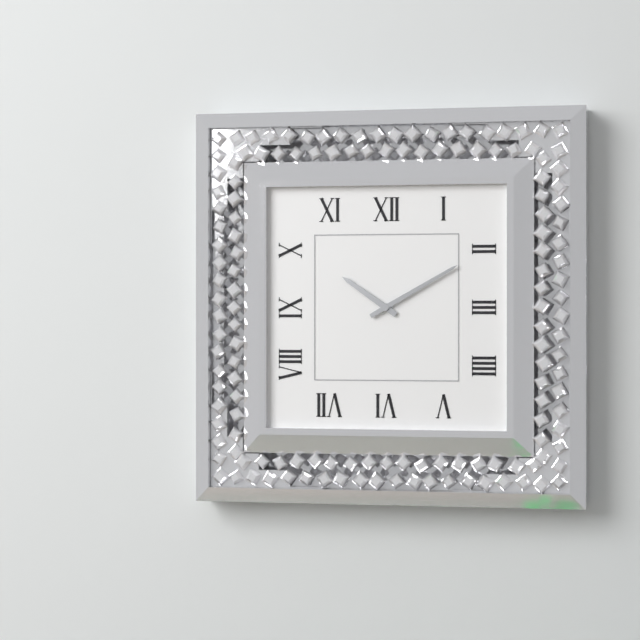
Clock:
10:10
